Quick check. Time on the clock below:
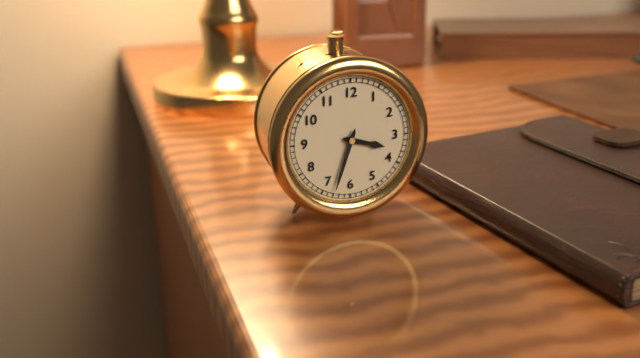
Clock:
3:33
